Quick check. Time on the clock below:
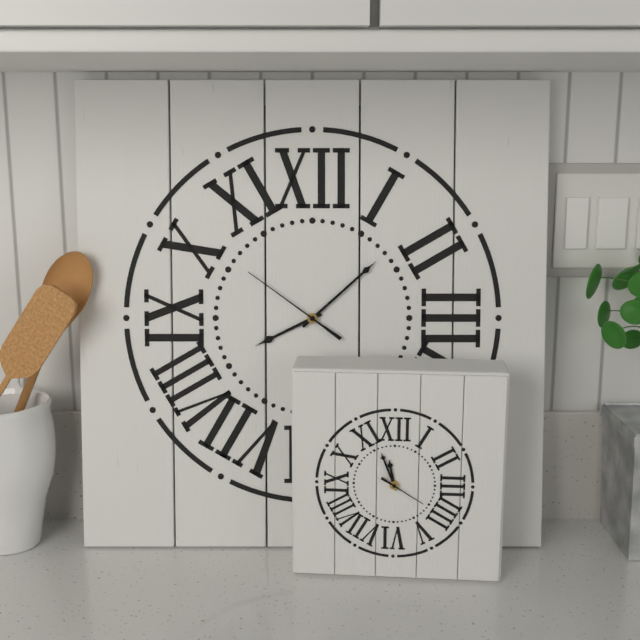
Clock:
8:08:51
